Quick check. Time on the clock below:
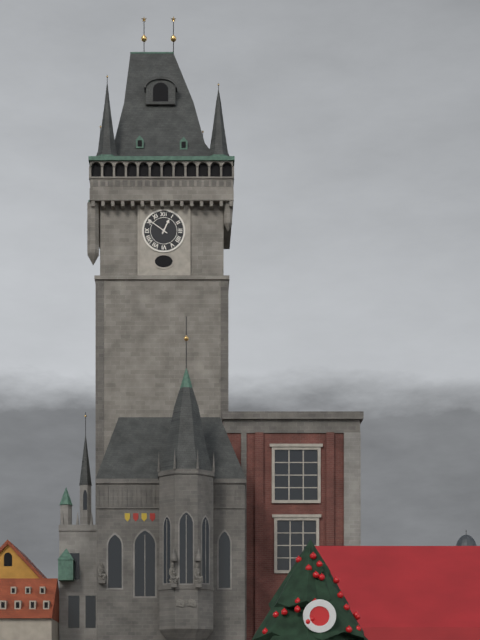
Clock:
12:51
